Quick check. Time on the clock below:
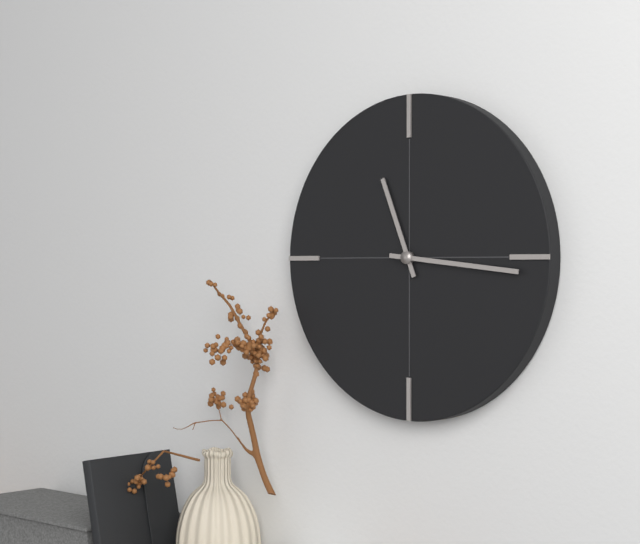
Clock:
11:16
